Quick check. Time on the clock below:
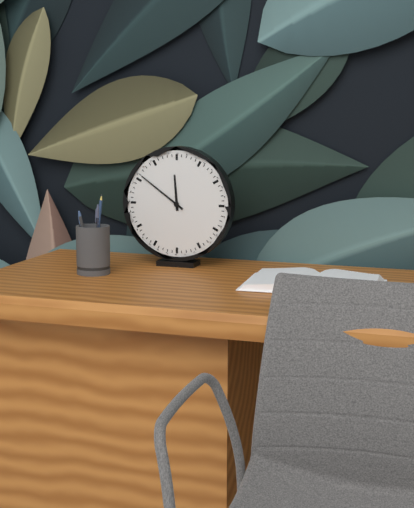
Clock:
11:51
